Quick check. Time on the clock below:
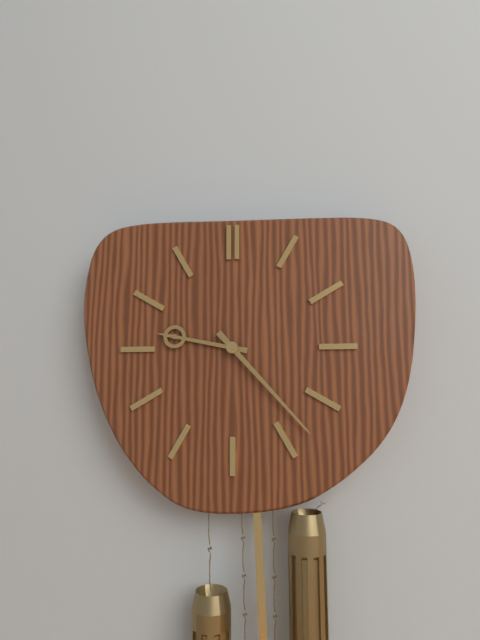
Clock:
9:23
